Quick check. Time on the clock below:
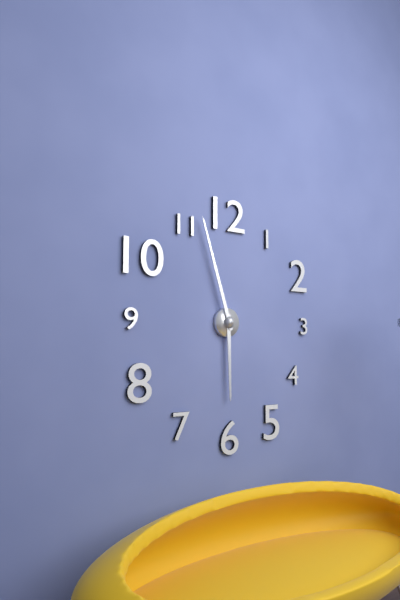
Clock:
5:57
